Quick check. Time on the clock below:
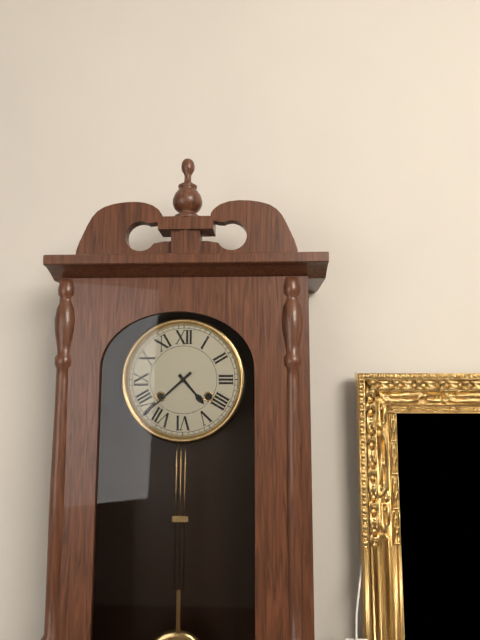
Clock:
4:38
